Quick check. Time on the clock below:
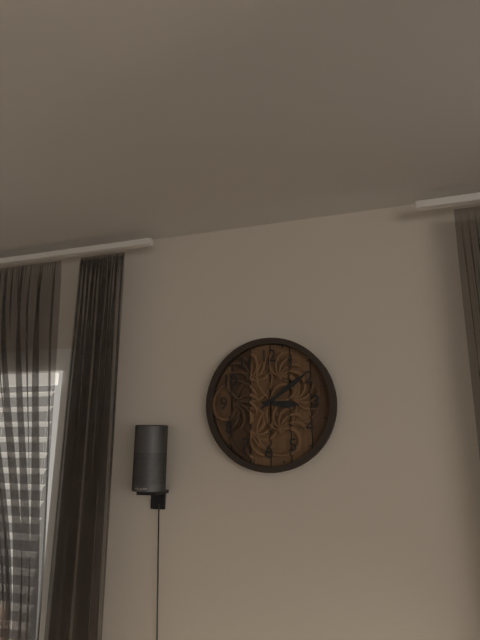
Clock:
3:09
